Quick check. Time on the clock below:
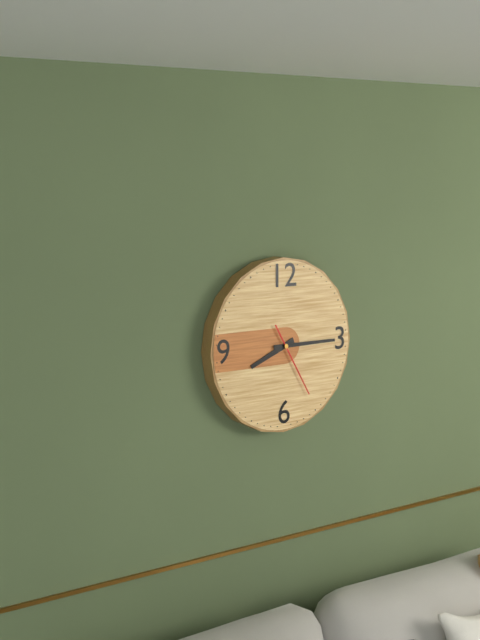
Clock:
8:15:25
